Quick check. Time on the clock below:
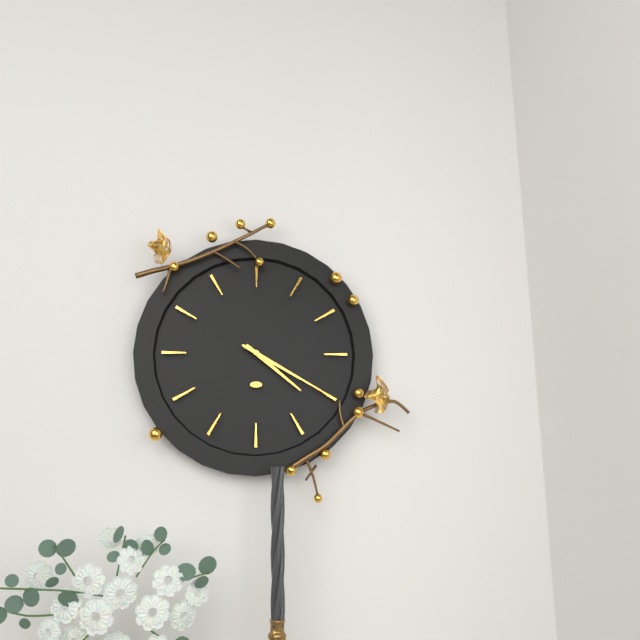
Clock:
4:20
